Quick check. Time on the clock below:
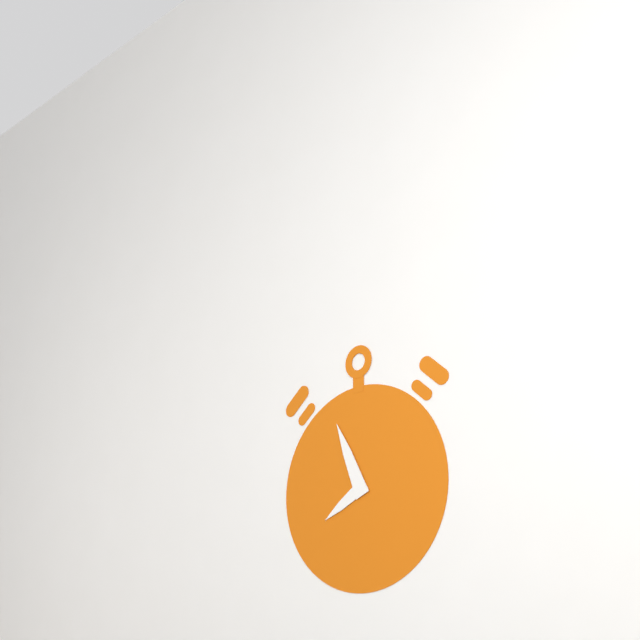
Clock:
7:56
